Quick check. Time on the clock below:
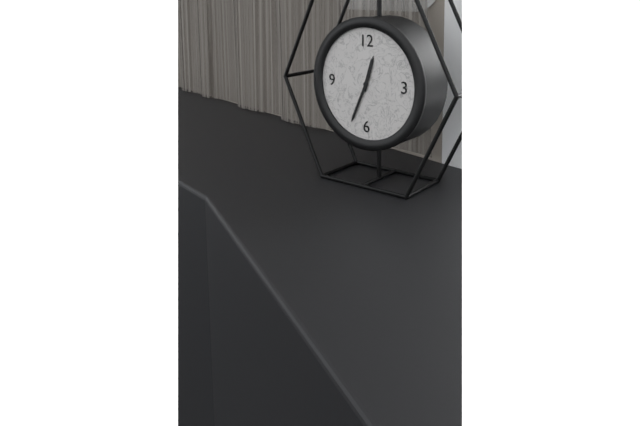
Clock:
12:34
